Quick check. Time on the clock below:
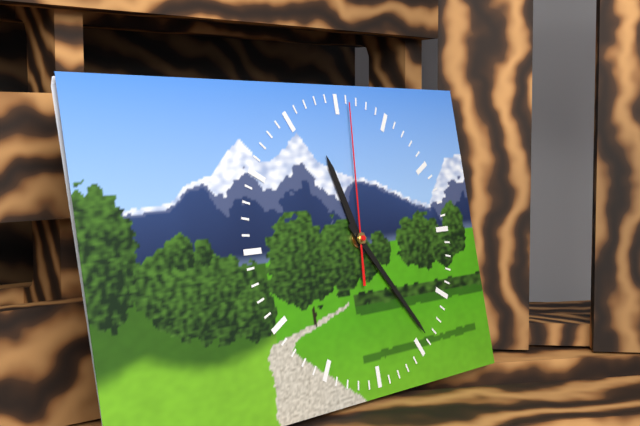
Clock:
11:24:01
